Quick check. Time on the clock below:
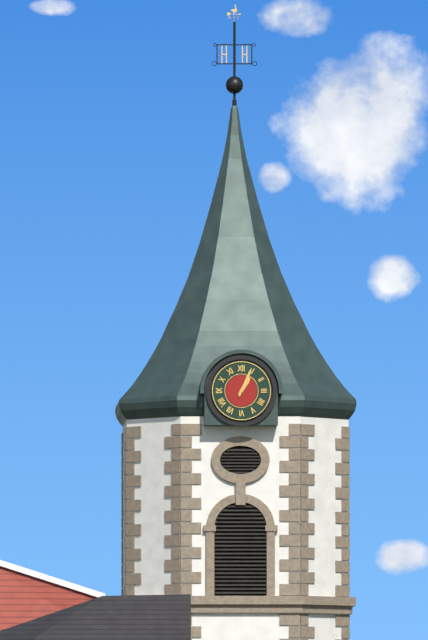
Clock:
1:04
